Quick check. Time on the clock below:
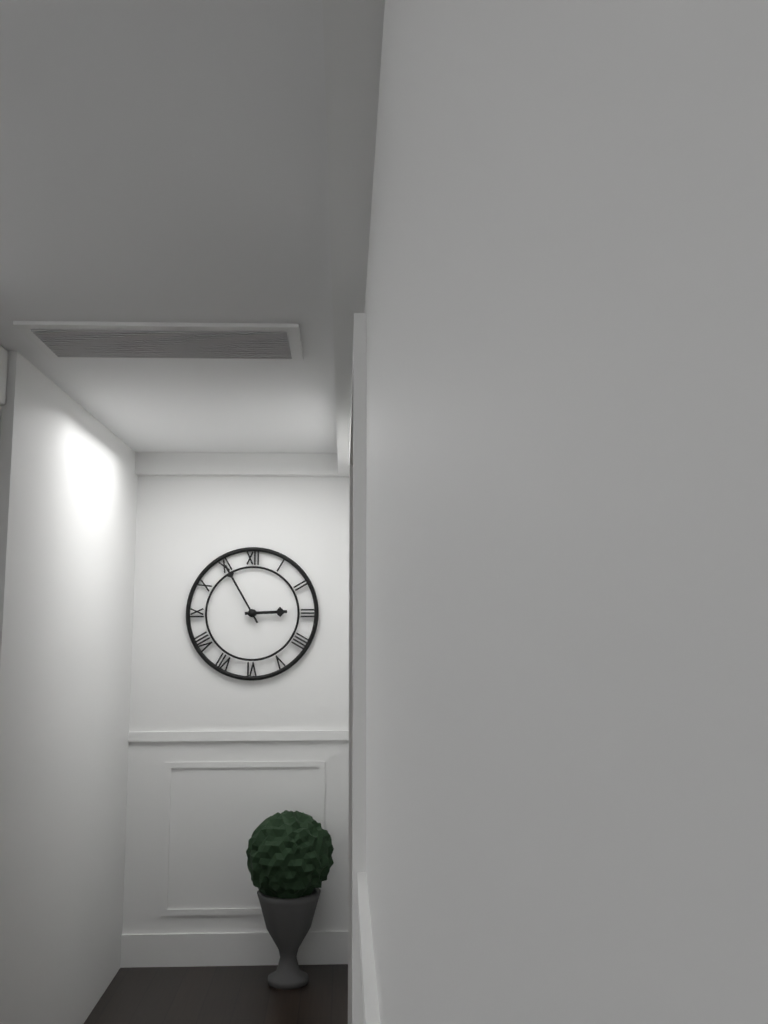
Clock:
2:55
